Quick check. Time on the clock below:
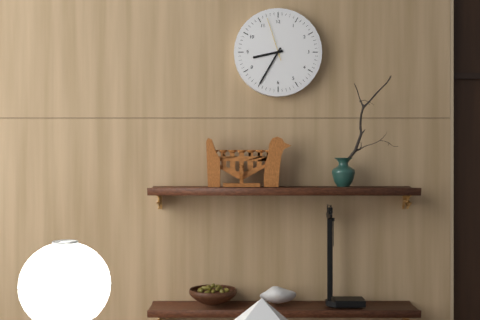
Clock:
8:35
